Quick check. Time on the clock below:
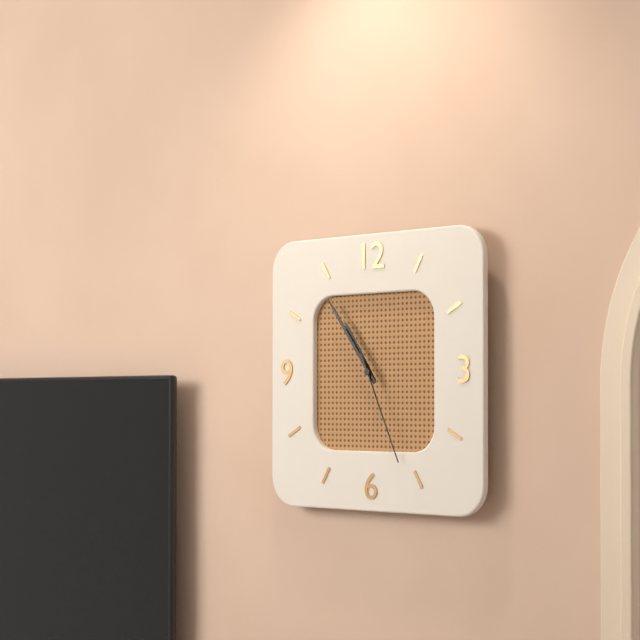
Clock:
10:54:26
